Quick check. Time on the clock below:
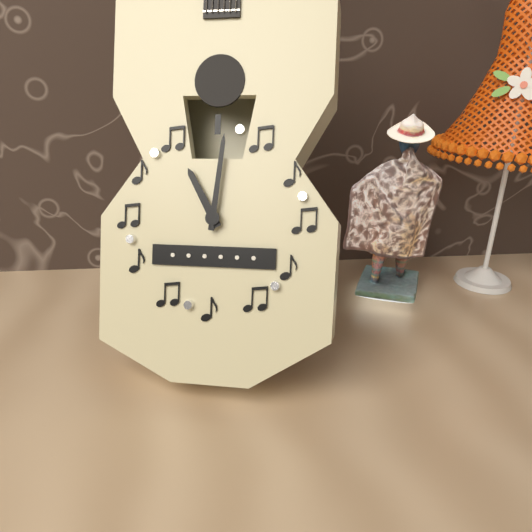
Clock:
11:01
